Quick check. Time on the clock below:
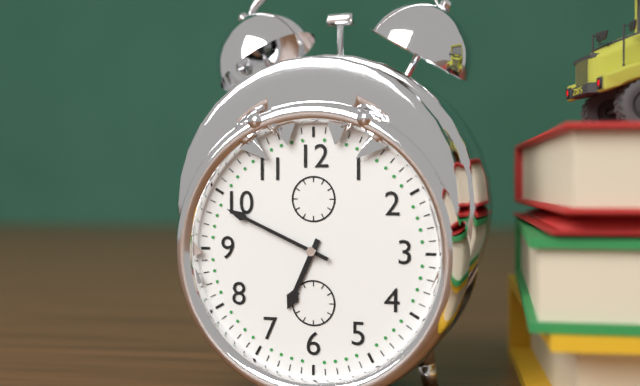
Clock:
6:49
